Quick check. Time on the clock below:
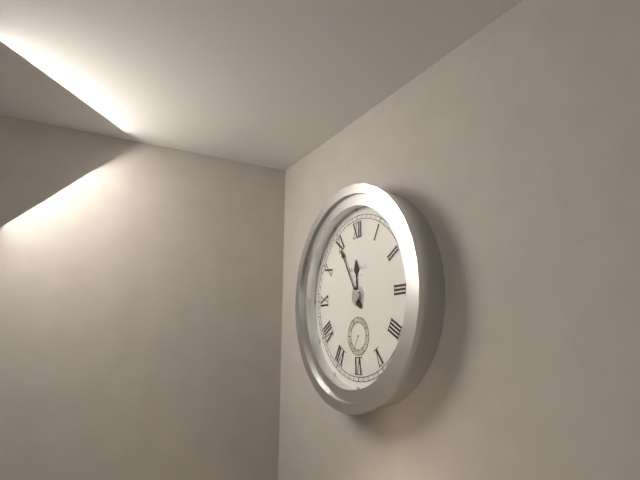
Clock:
11:55
